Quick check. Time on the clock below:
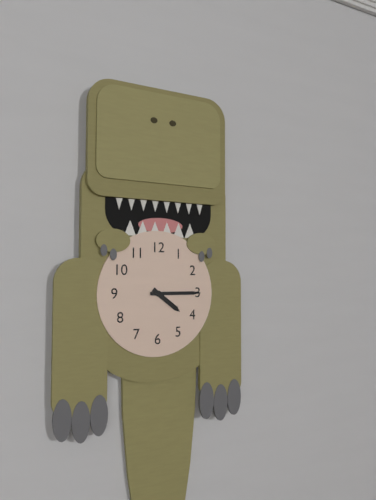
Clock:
4:15
